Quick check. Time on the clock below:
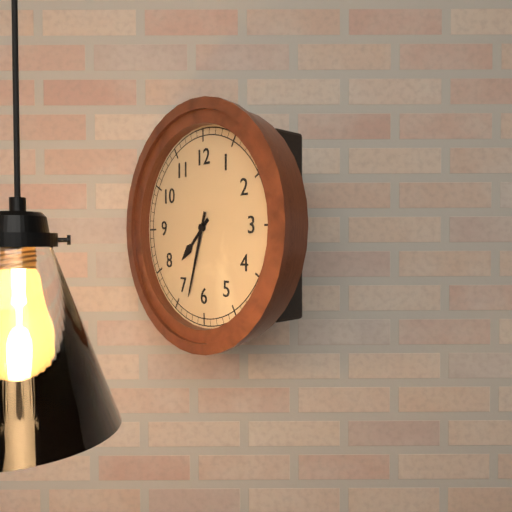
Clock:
7:33
